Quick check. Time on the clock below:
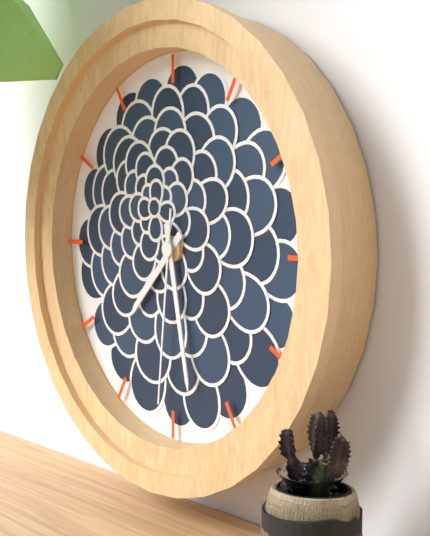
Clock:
7:28:31
